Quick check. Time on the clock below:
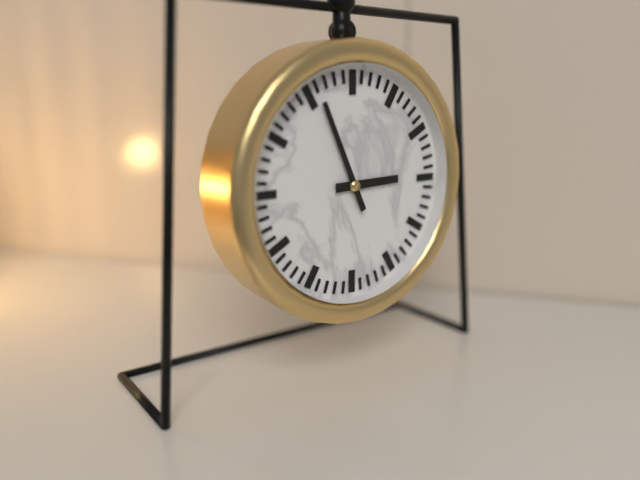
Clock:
2:56
